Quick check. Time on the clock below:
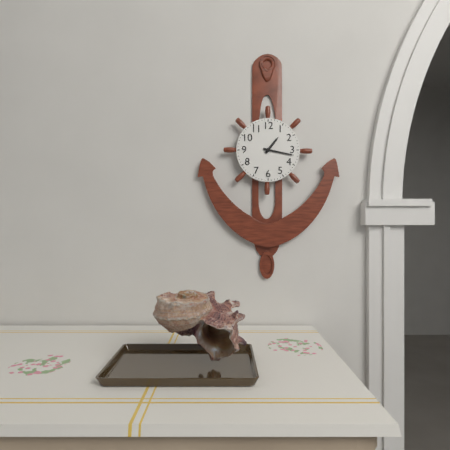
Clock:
1:17
